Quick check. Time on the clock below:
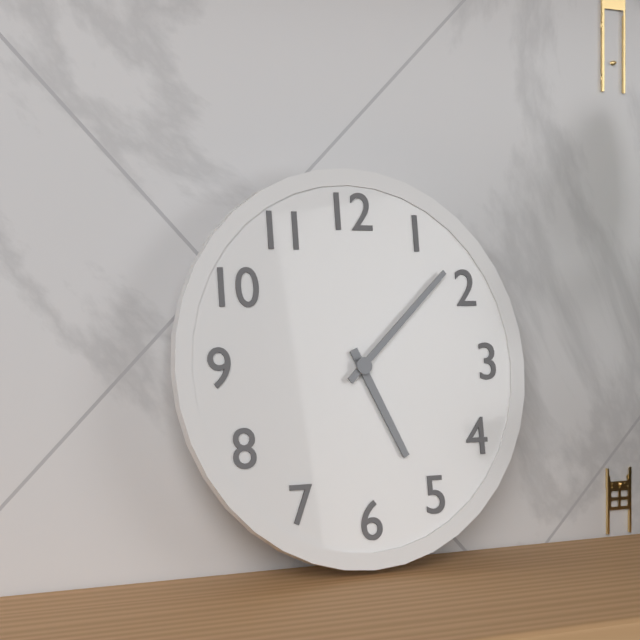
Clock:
5:08
